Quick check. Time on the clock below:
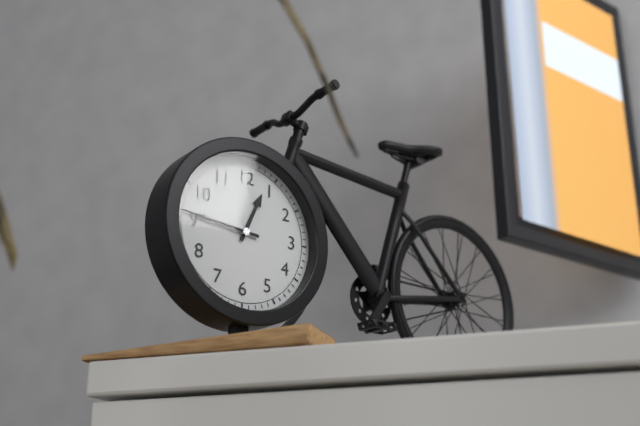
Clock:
12:46
